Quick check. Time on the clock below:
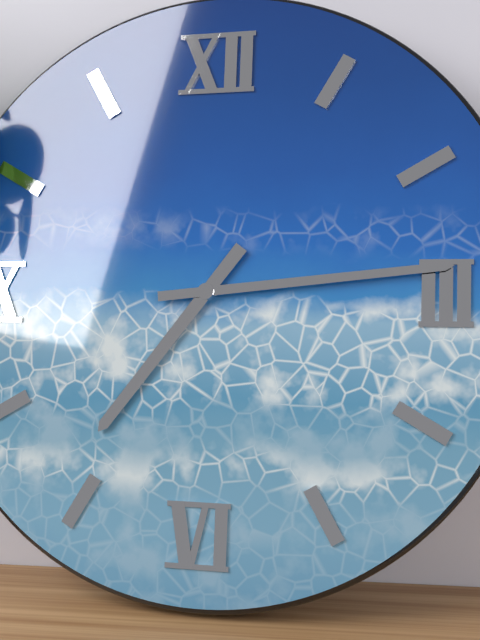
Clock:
7:14
